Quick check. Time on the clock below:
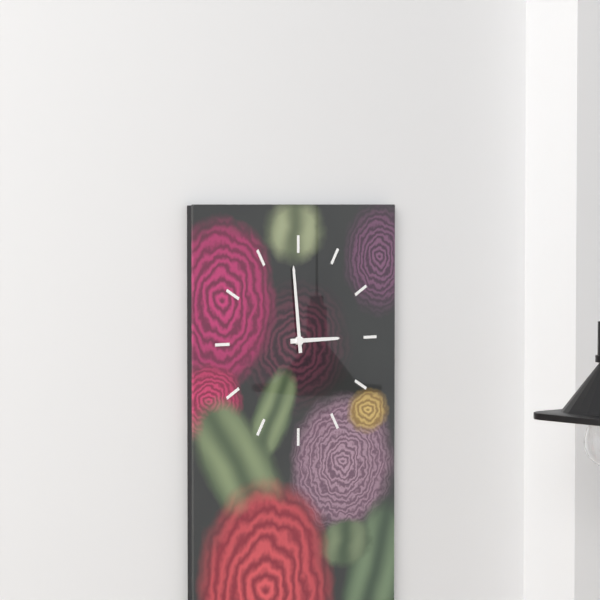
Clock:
2:59
